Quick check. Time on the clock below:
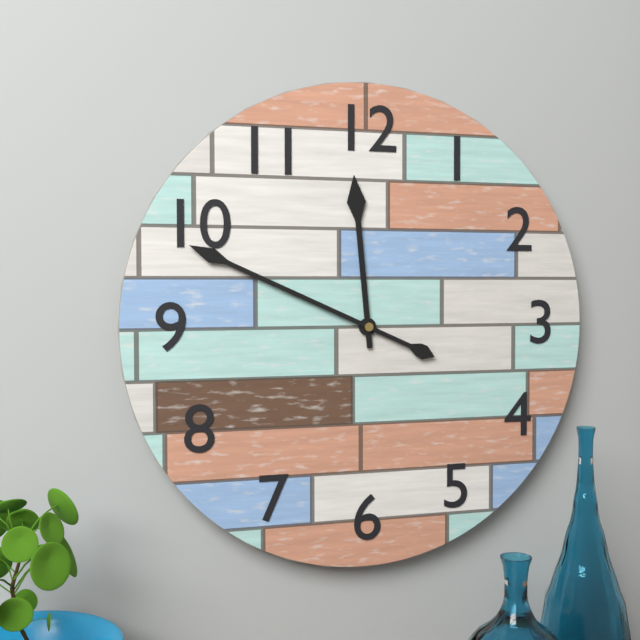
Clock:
11:49
